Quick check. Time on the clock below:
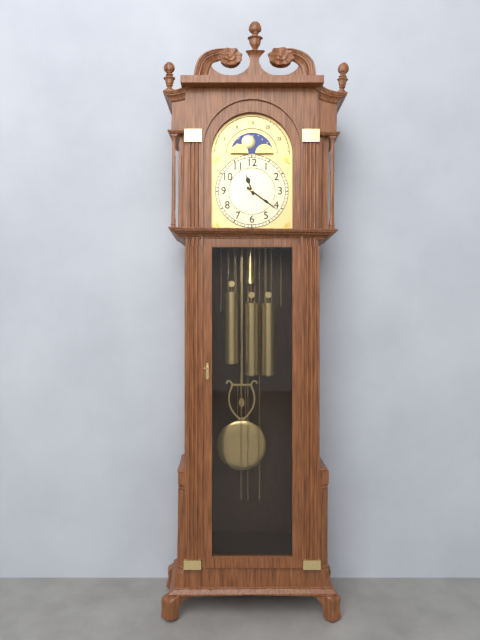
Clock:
11:21
